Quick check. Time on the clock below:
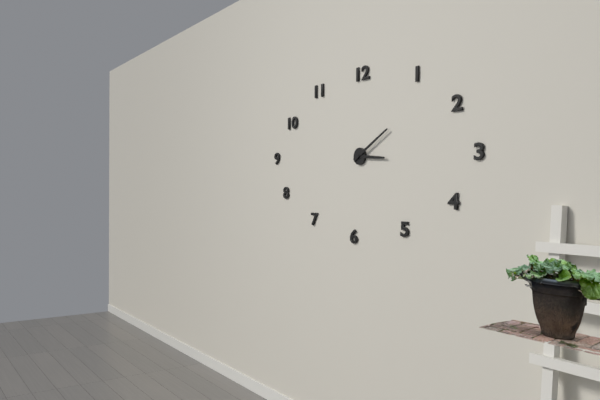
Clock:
3:10
